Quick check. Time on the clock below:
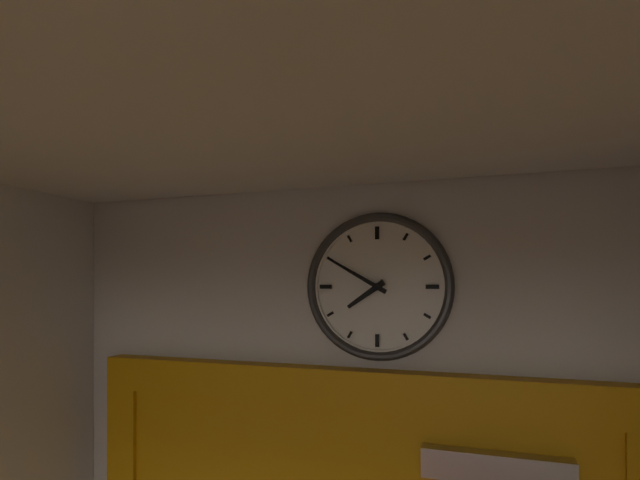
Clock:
7:50
